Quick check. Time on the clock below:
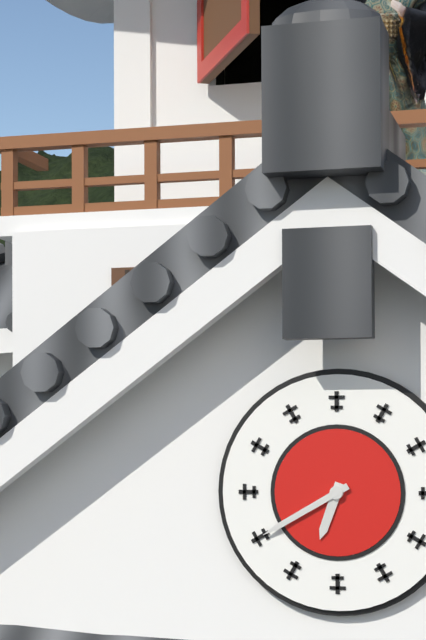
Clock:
6:40
